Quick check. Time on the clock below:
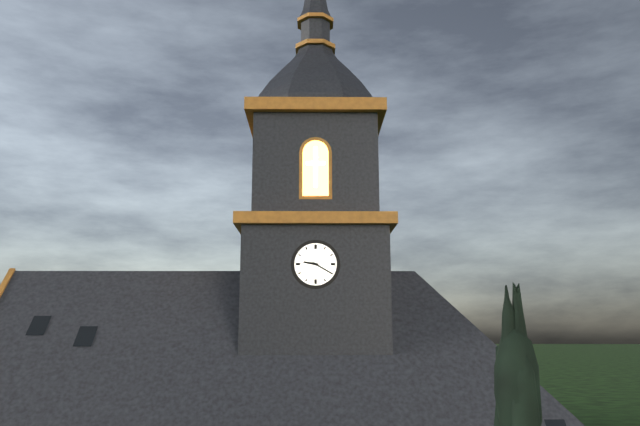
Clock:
9:20
